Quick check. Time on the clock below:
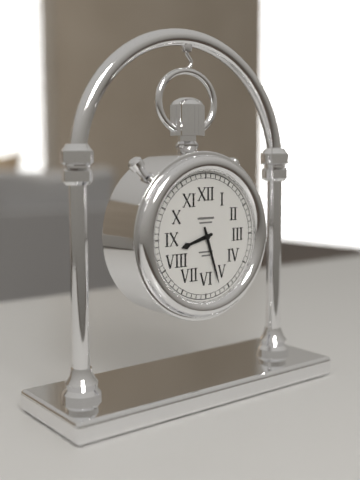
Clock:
8:27
